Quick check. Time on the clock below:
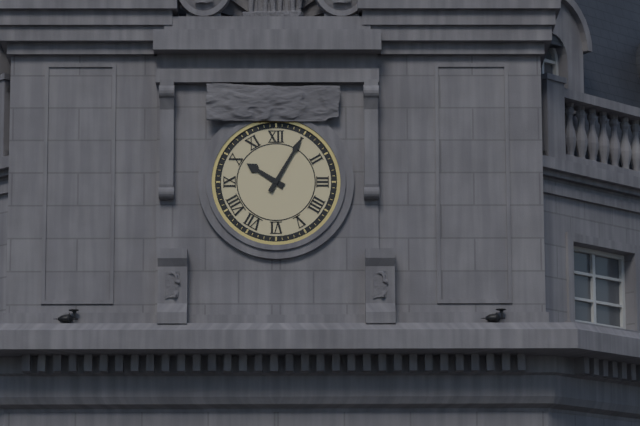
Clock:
10:05
